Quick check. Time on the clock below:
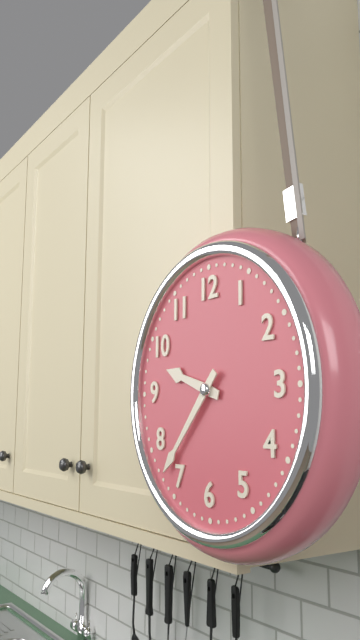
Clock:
9:37
